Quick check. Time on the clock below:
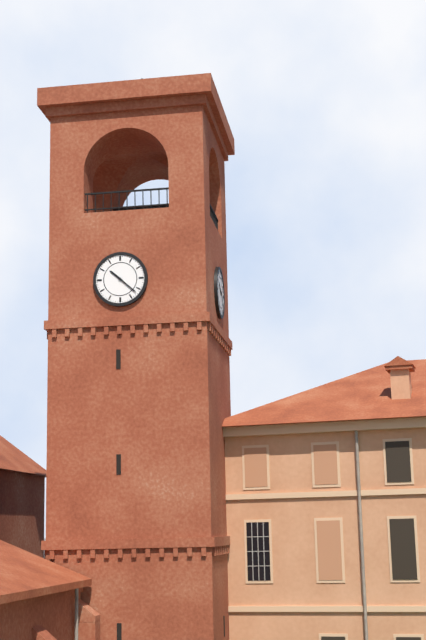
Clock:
10:22
